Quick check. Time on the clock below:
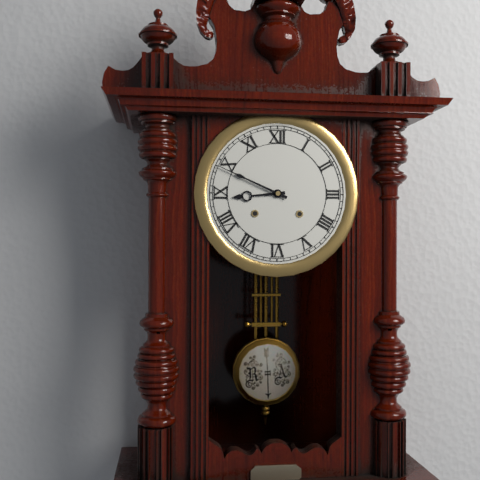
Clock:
8:49
